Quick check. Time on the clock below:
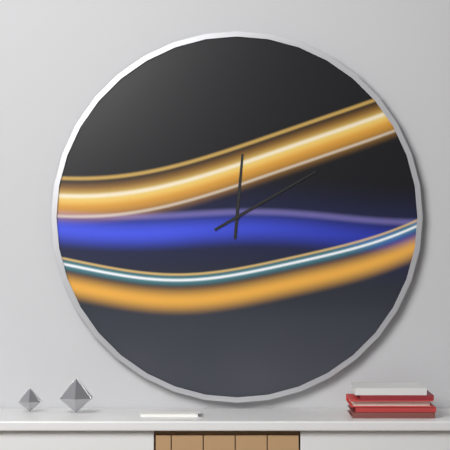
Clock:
12:10
